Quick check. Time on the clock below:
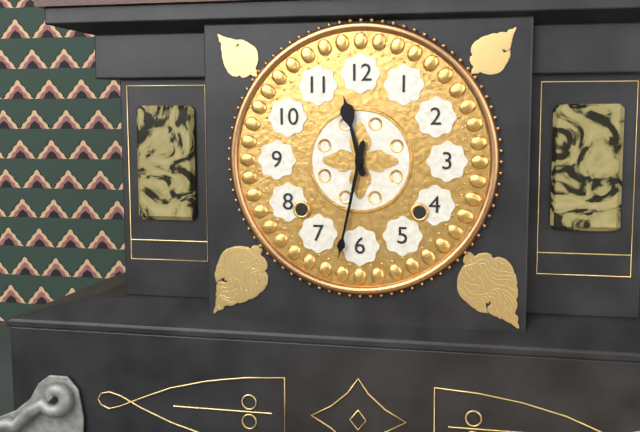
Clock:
11:32
